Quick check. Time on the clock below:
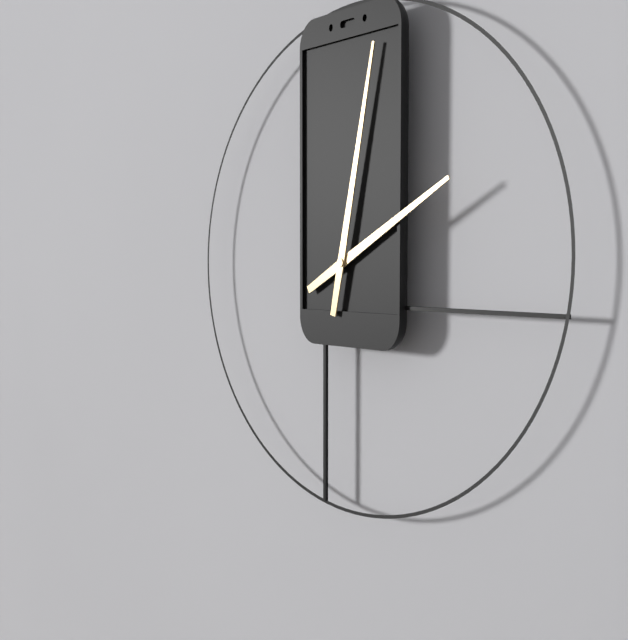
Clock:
2:02
